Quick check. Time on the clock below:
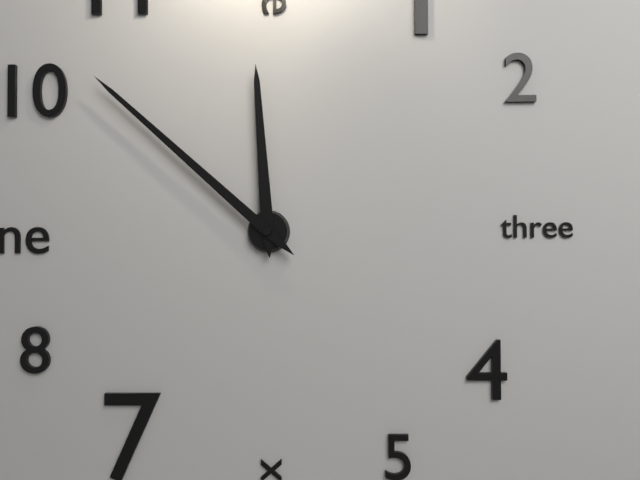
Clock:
11:52
